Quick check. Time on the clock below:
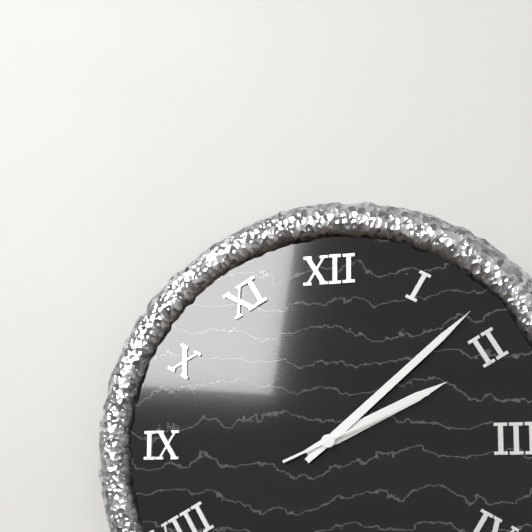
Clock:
2:08:11
